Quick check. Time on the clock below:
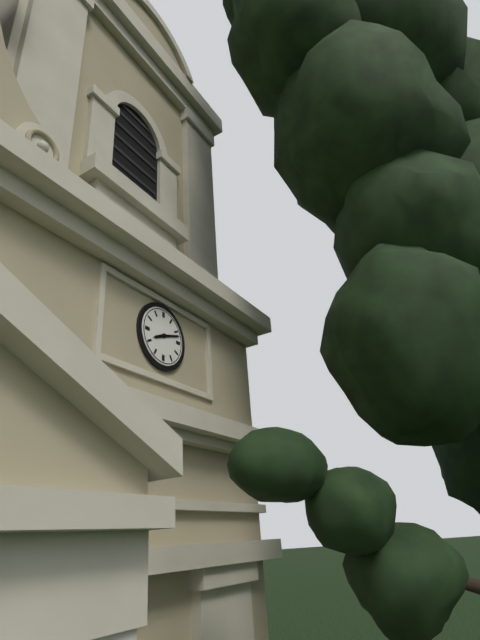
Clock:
8:12
